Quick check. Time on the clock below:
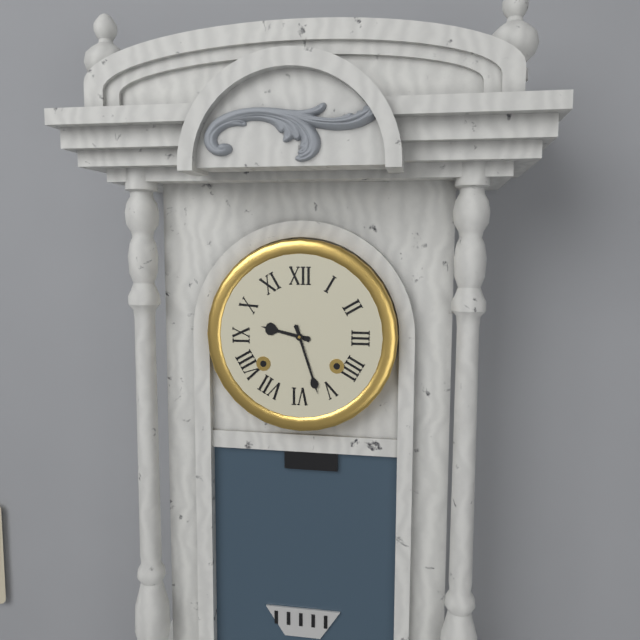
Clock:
9:27
